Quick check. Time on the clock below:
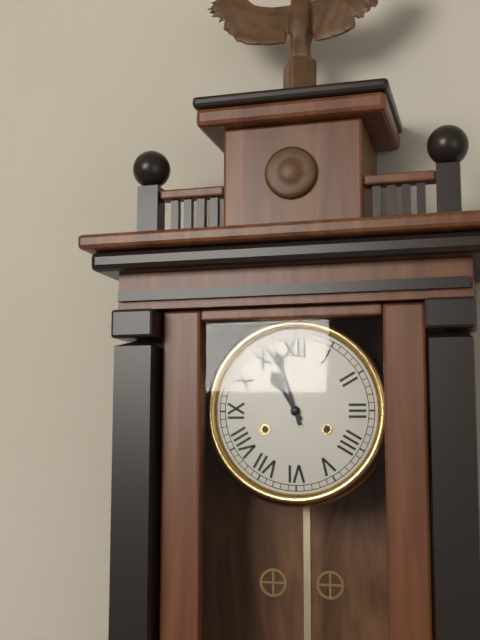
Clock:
10:57
